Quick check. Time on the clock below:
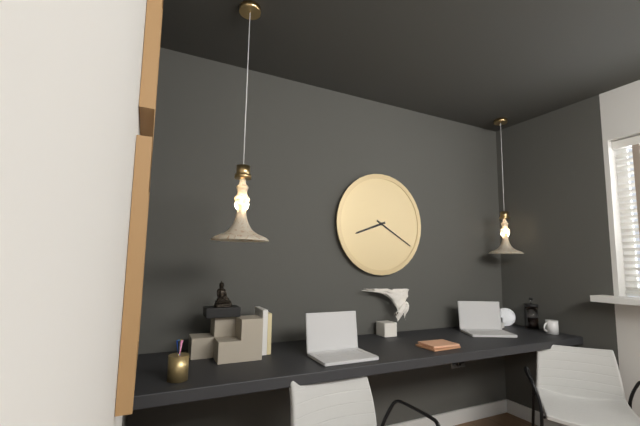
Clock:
8:20
